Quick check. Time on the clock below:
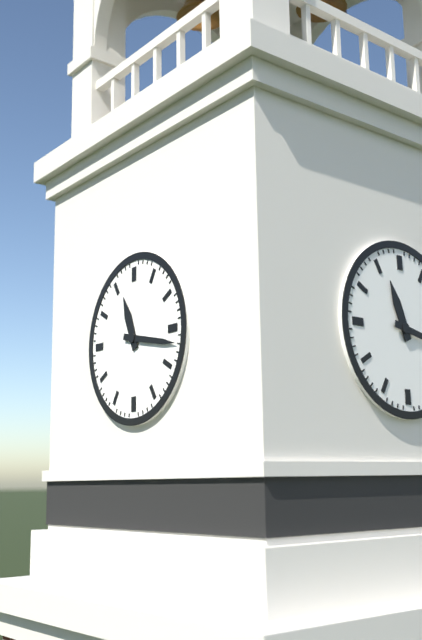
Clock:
11:17
